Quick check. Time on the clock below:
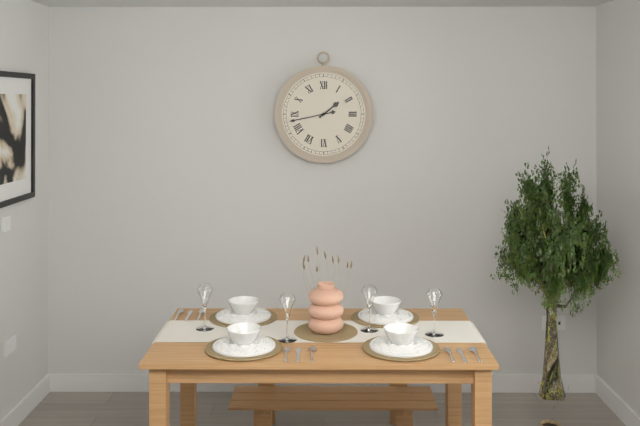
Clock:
1:43
